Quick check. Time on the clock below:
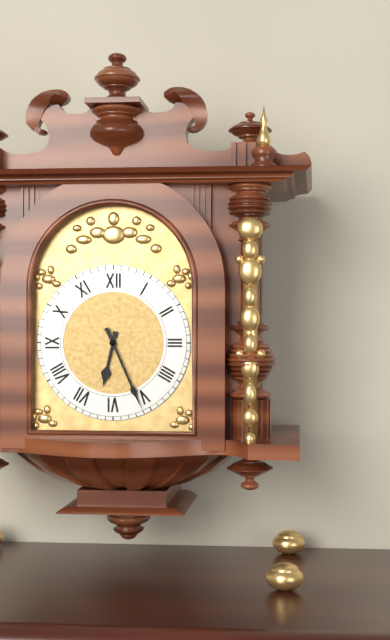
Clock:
6:26
